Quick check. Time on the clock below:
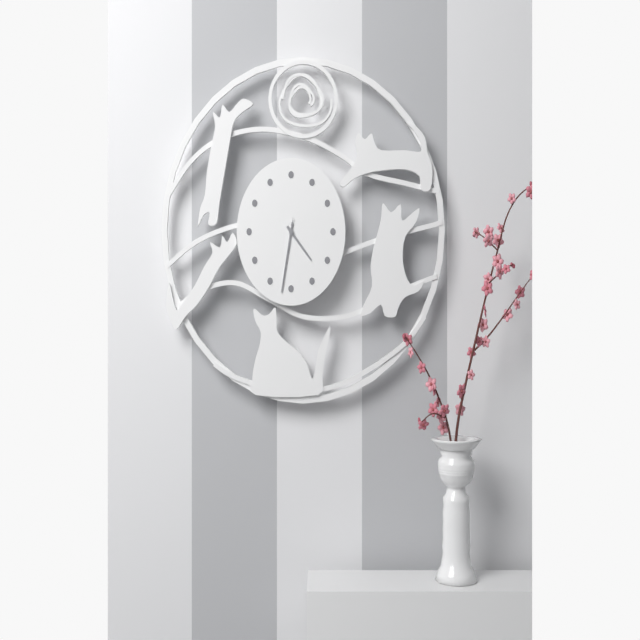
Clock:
4:32:32
